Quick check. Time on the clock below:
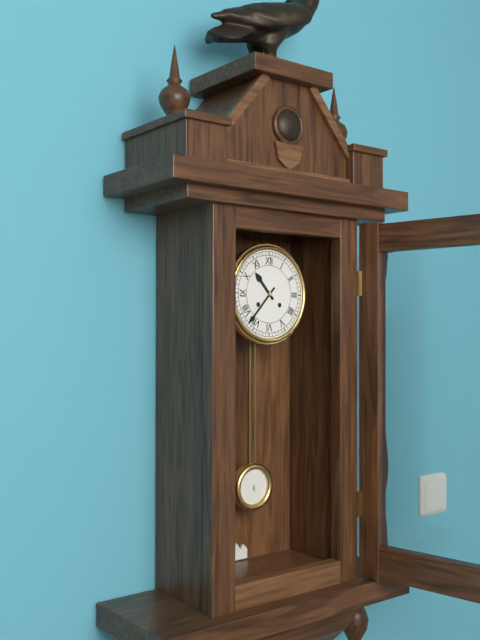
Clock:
10:37
